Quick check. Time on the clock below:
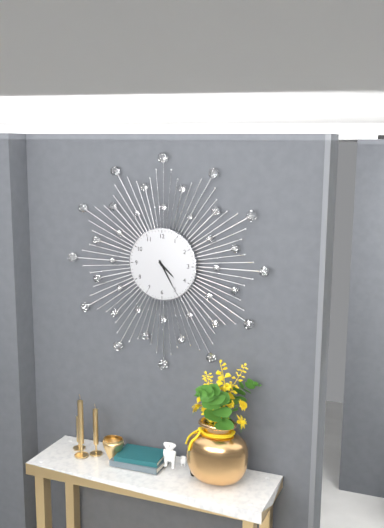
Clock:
4:25
